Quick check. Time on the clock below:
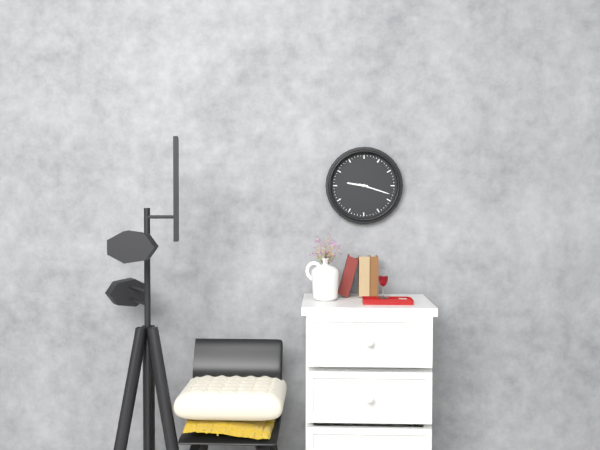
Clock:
9:18
